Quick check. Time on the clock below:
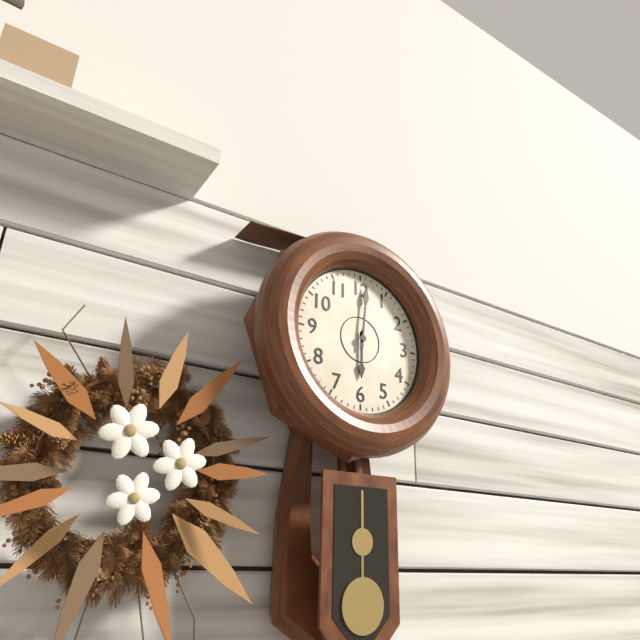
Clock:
6:01
